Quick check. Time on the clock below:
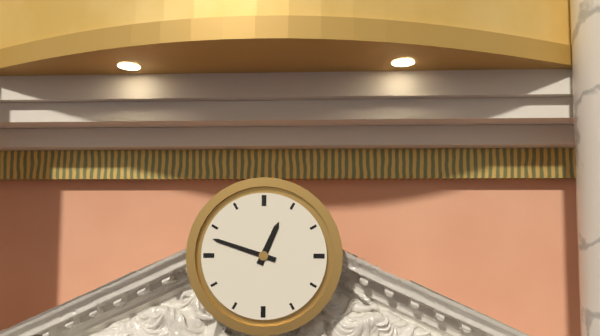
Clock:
12:48
